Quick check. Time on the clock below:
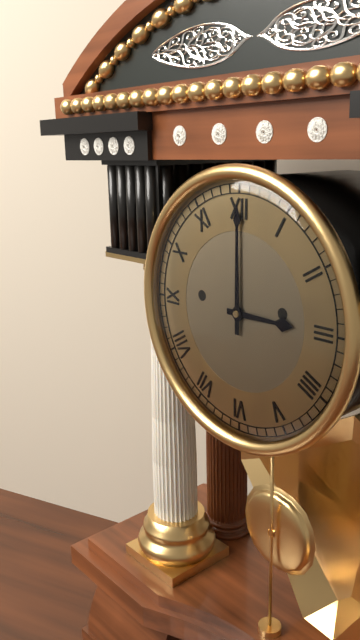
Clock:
3:00
